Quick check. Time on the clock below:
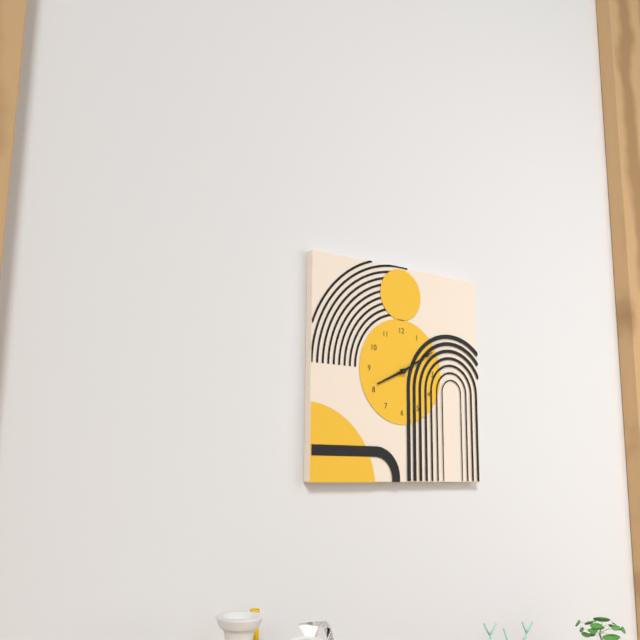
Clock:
8:10
